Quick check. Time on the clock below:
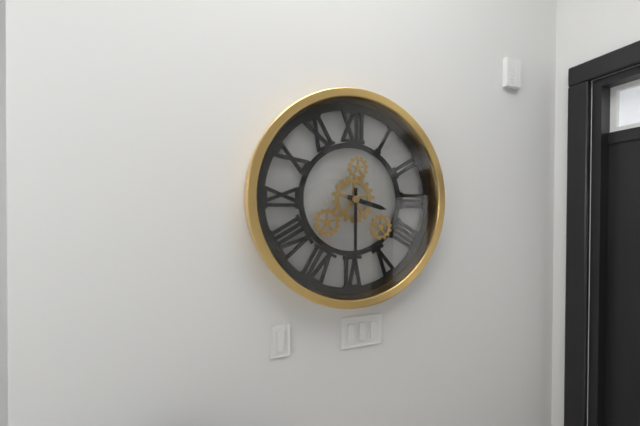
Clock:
3:30
